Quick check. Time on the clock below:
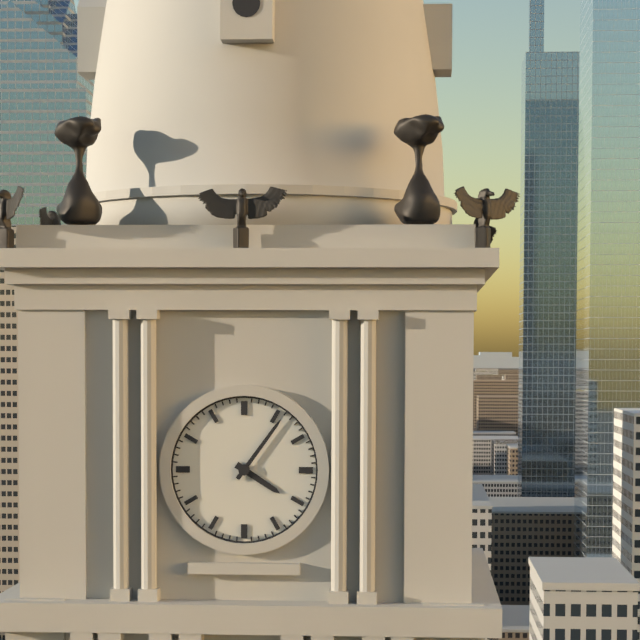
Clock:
4:06
